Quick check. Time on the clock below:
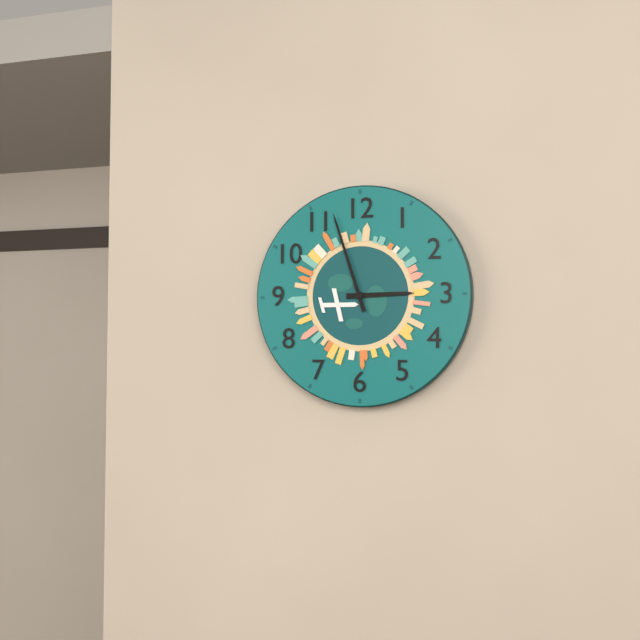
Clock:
2:57
